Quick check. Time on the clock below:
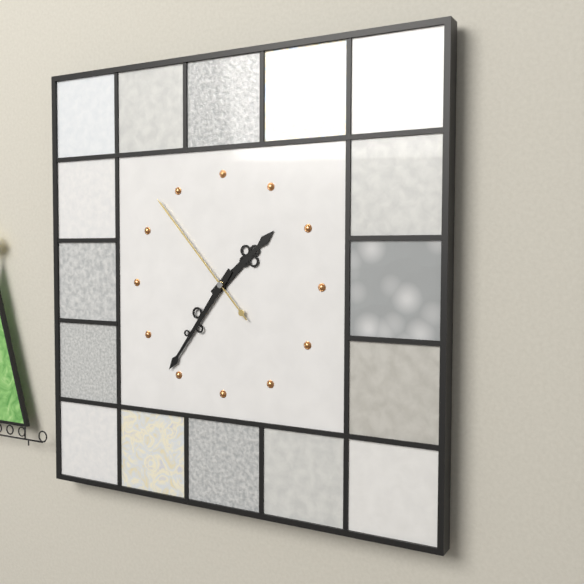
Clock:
1:36:53
